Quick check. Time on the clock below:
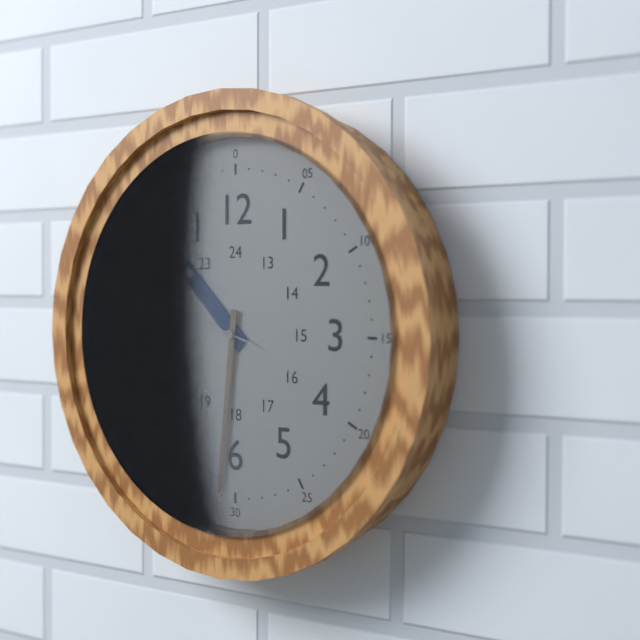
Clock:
10:31:48
